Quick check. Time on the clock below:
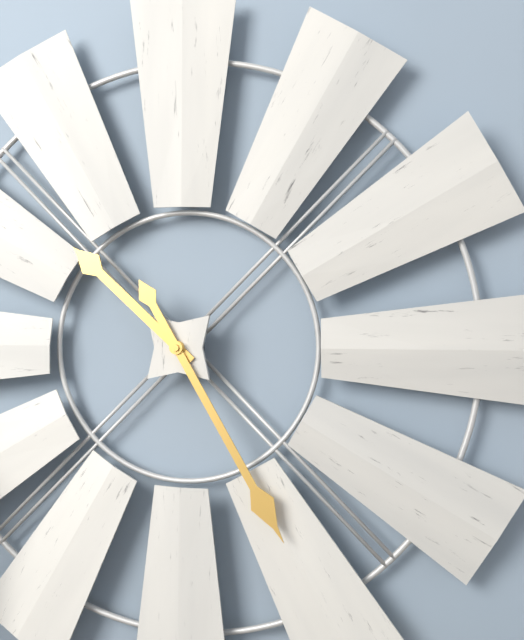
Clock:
10:25
